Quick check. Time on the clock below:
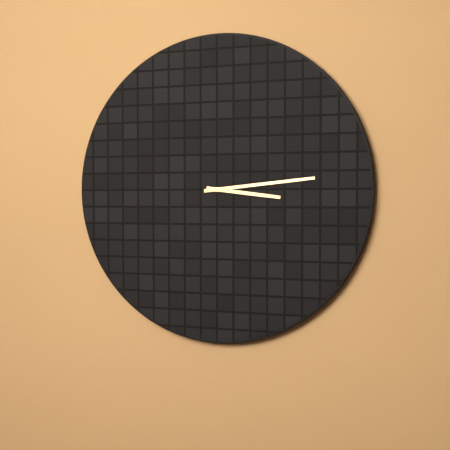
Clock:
3:14
